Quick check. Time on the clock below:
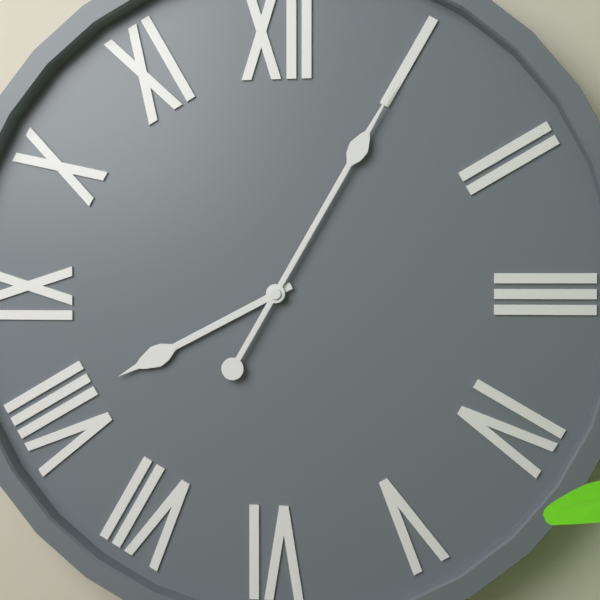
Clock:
8:05
